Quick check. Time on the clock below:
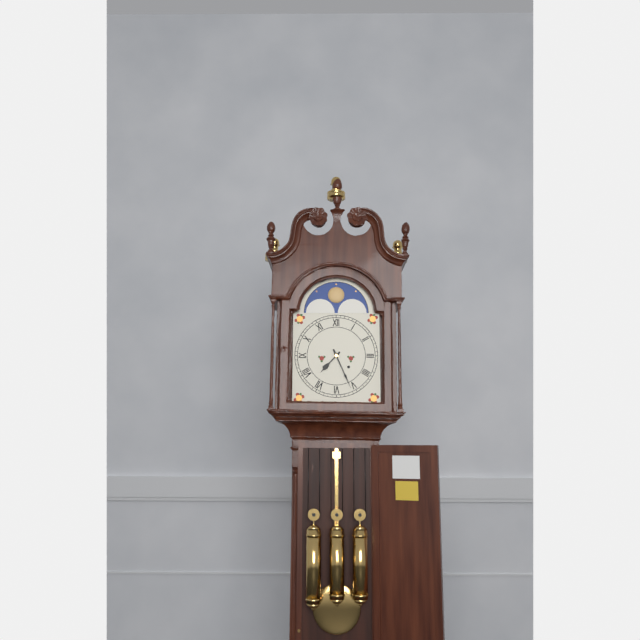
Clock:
7:26
